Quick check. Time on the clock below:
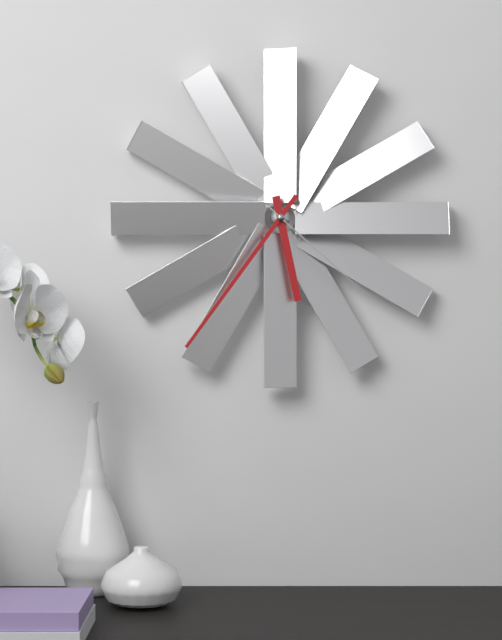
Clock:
5:36:22
